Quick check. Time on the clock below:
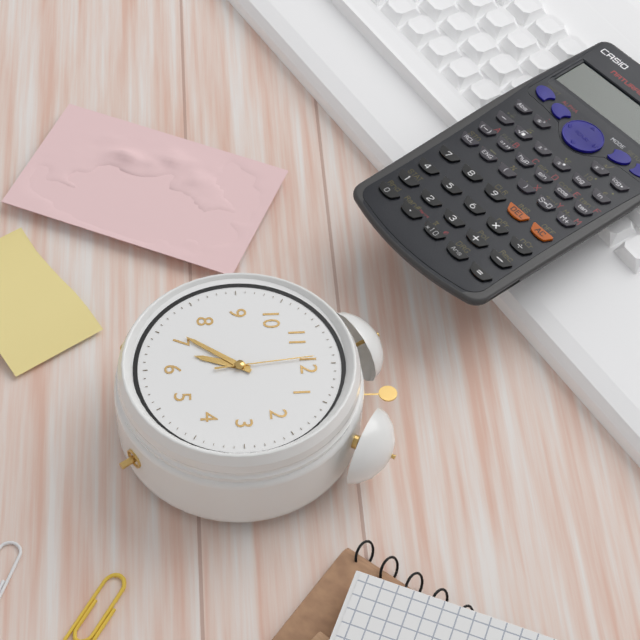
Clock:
6:36:59
